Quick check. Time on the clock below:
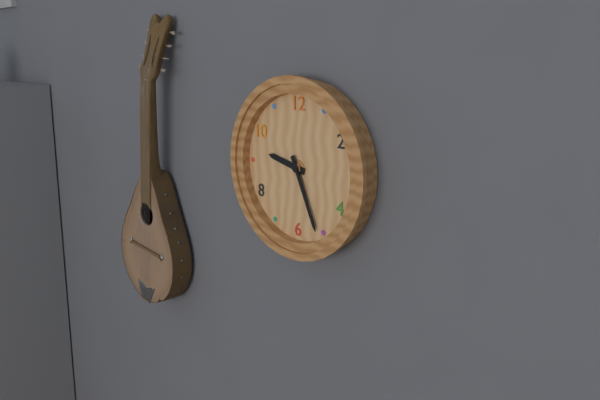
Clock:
9:26
